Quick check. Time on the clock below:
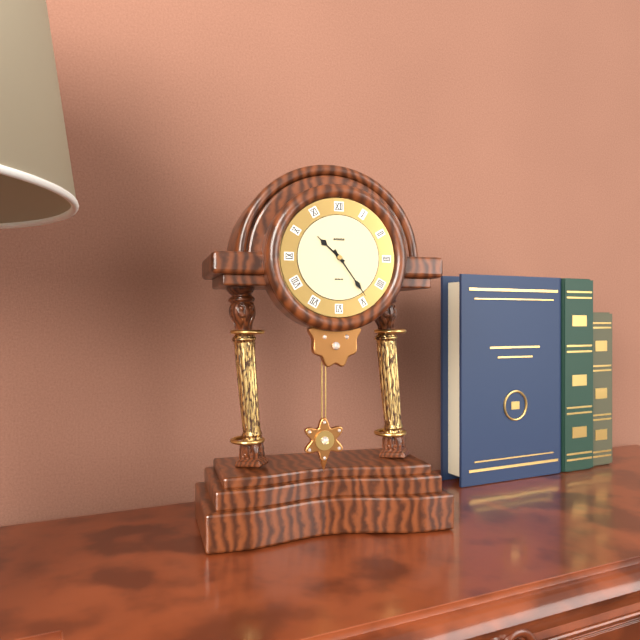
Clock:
10:24
